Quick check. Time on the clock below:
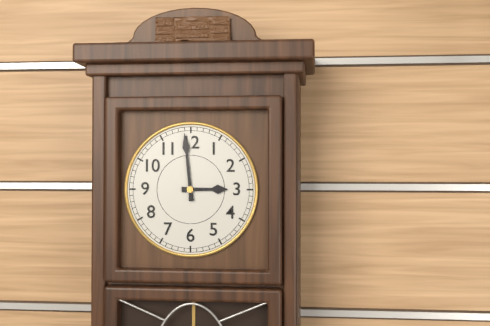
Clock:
2:59
